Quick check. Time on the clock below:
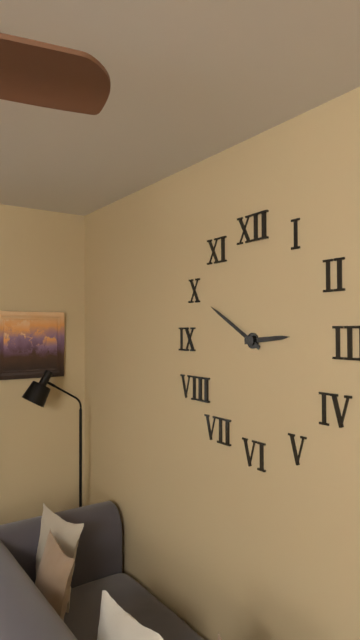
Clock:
2:50
